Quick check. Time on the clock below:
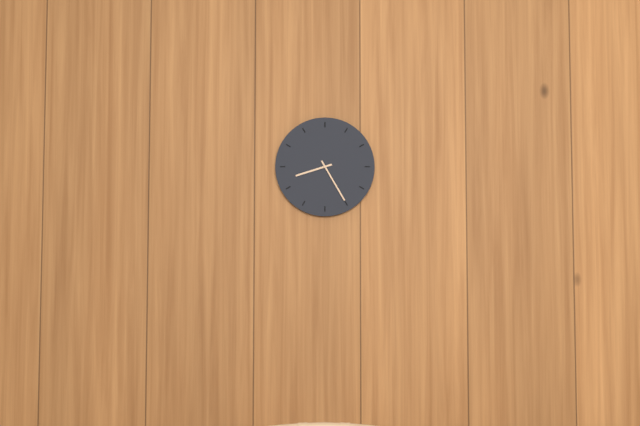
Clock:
8:25
